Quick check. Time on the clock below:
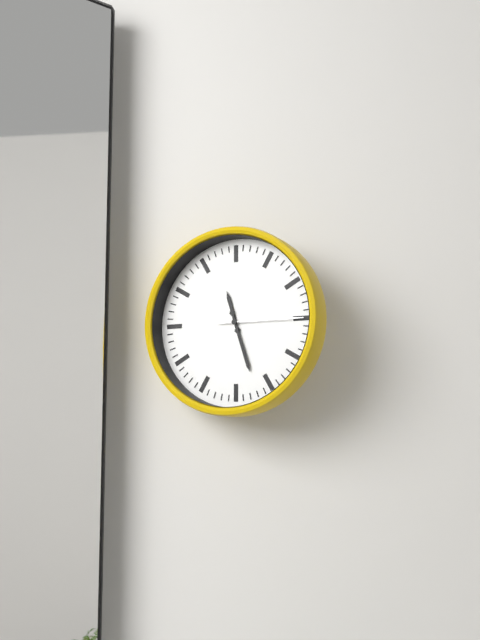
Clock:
11:27:15
